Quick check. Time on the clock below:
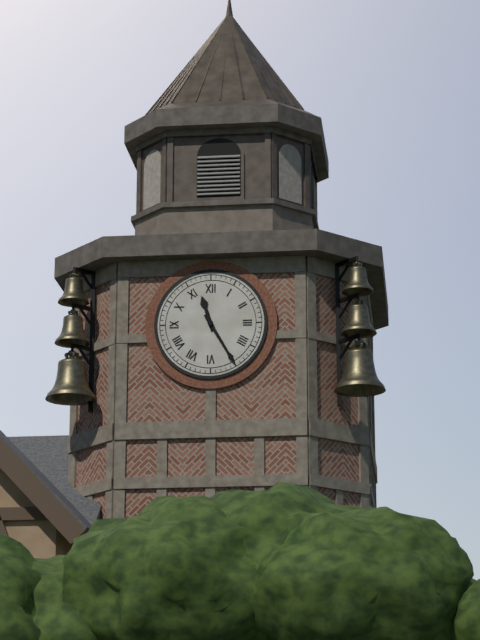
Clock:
11:25
